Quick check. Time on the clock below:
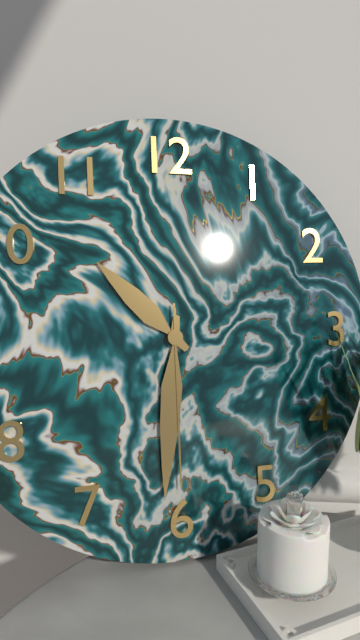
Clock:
10:31:30
